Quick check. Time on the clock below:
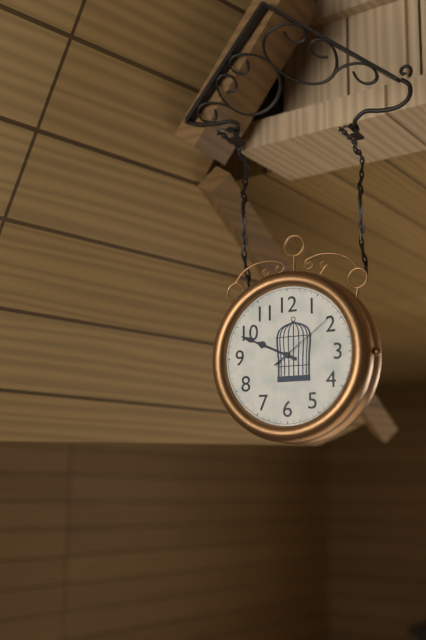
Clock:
9:49:09
